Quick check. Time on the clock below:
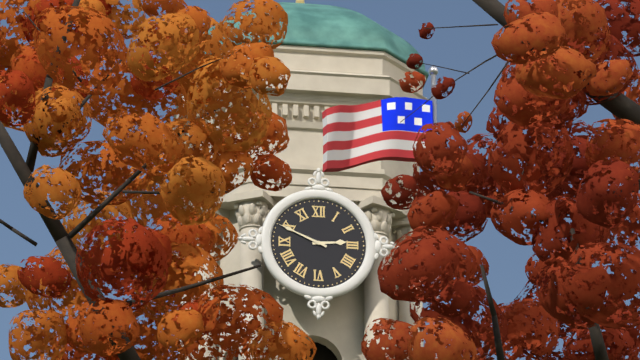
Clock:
2:49
